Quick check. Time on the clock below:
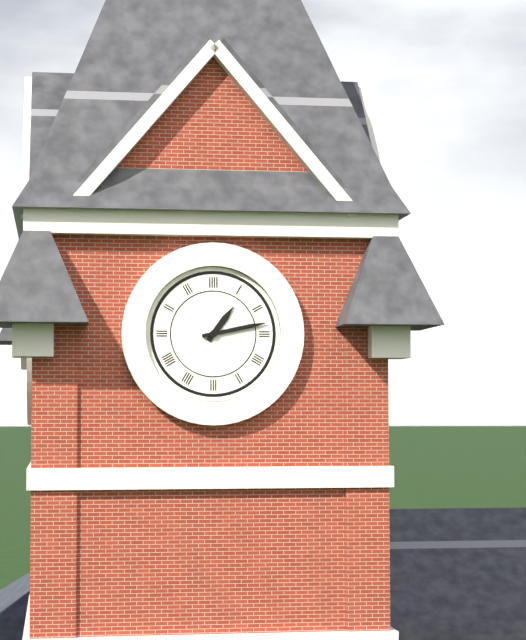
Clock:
1:13
